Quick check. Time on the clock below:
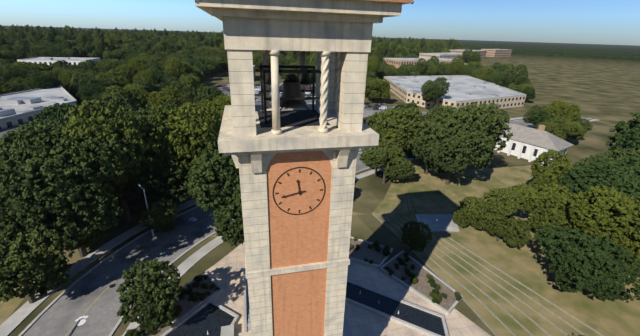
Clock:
11:43
